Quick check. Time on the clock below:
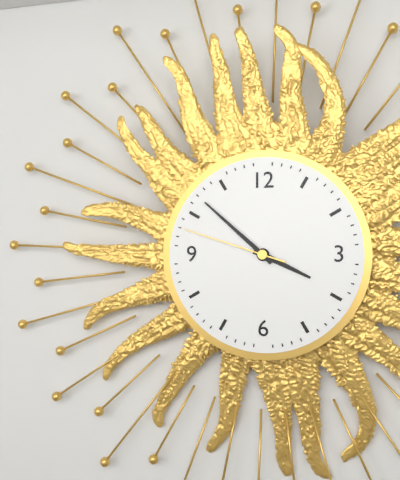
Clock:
3:52:48
